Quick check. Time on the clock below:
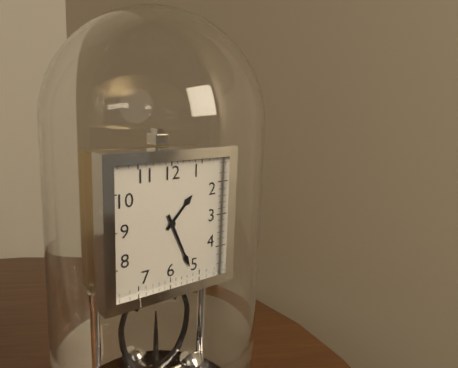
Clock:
1:26
